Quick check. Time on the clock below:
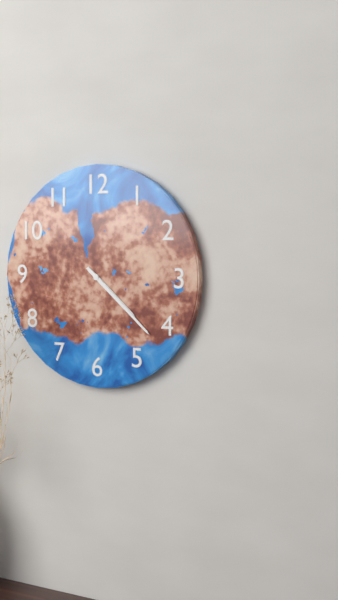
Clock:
4:22
